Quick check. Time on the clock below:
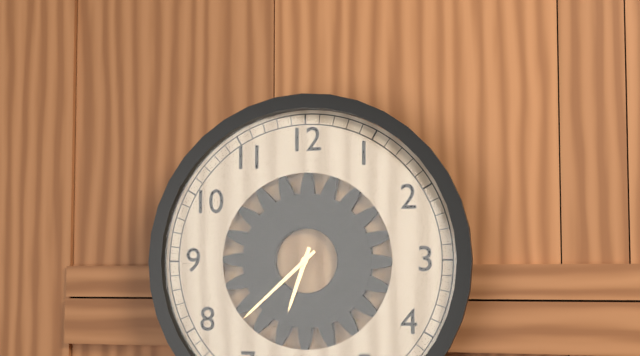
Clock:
6:38
